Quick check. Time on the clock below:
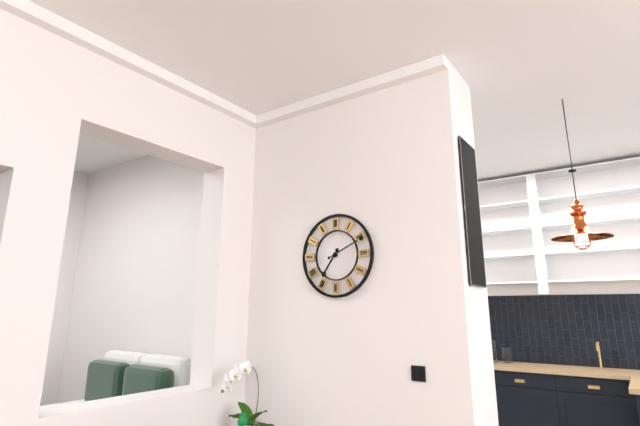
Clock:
7:11
